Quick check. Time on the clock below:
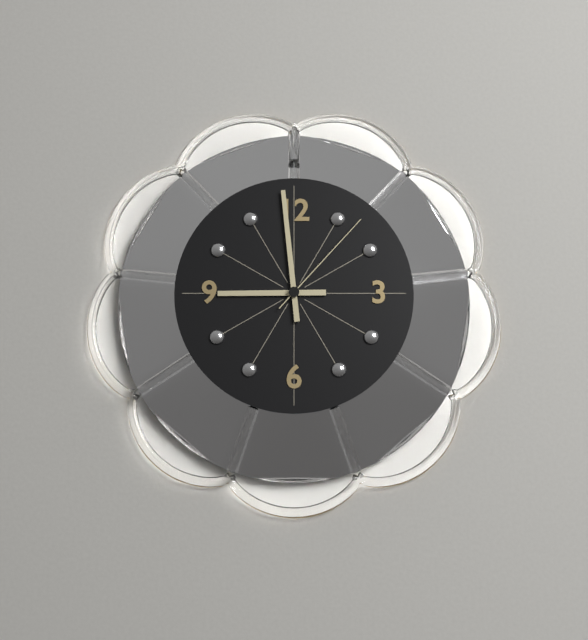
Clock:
8:59:07
